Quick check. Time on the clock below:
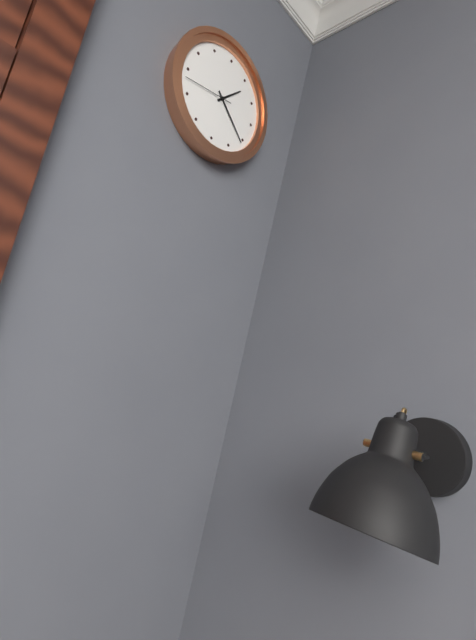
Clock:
1:21:43
